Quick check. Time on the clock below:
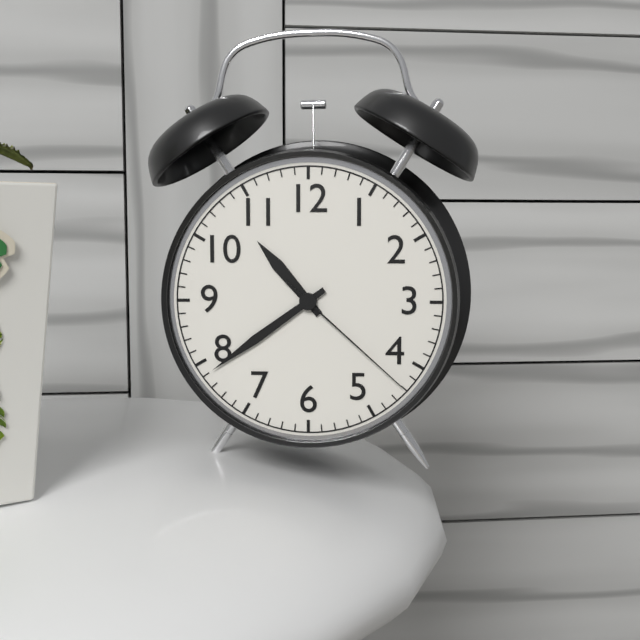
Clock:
10:39:22
